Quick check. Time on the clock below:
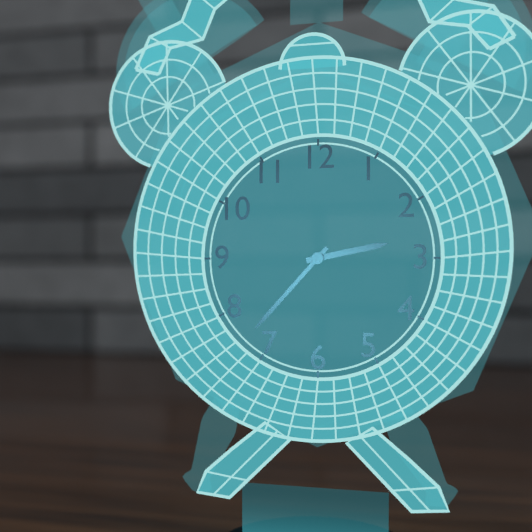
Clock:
2:37
